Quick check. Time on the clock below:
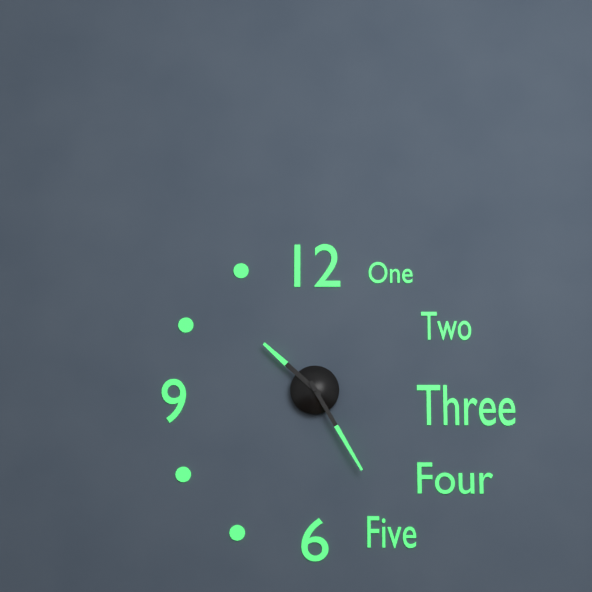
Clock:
10:25
